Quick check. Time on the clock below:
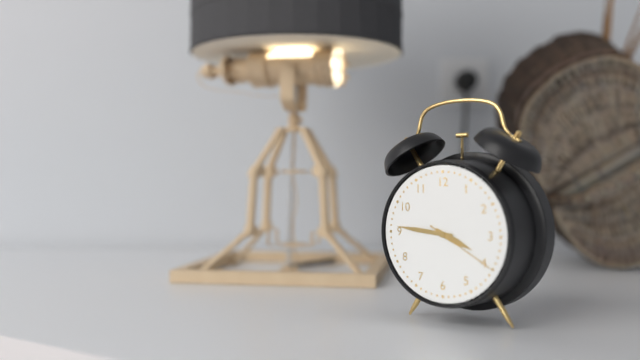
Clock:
3:46:20
